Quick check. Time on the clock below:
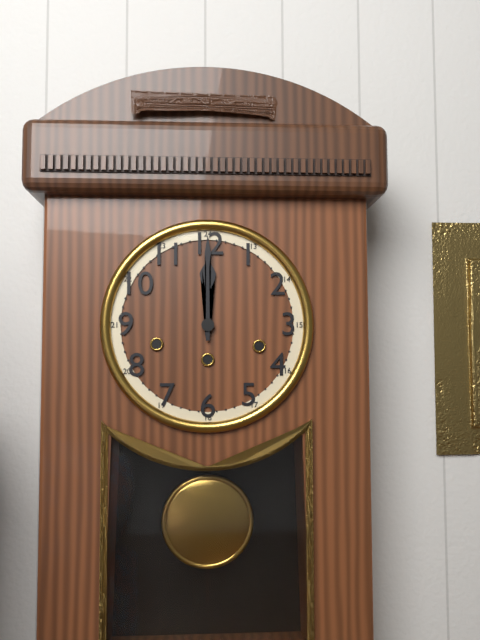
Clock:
12:00
